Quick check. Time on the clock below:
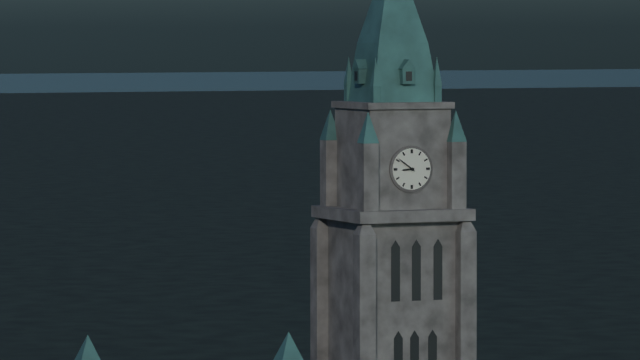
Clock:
8:51
